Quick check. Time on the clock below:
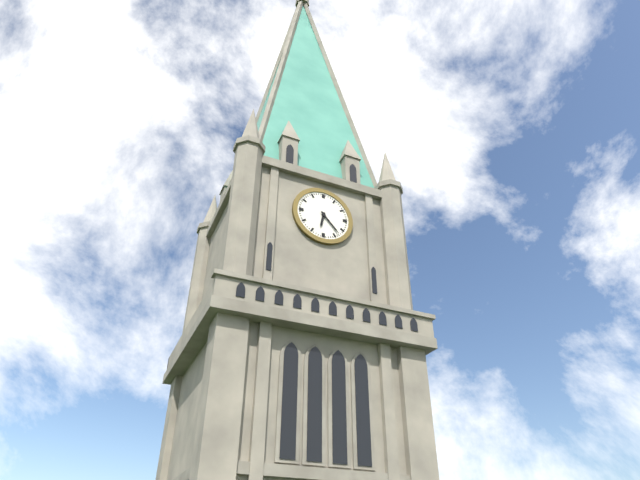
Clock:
6:23
